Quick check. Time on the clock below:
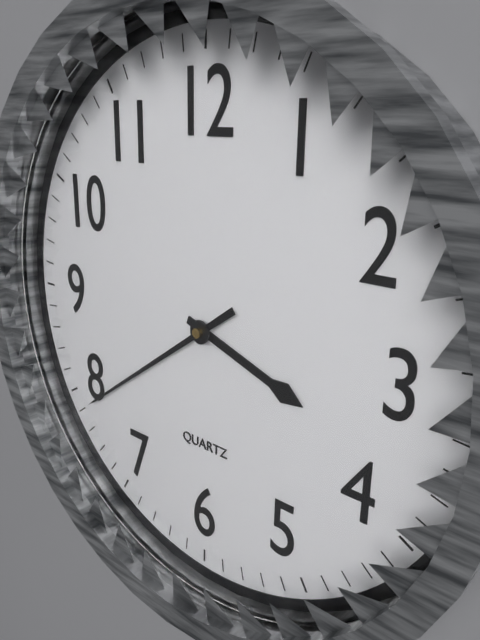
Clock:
3:39
